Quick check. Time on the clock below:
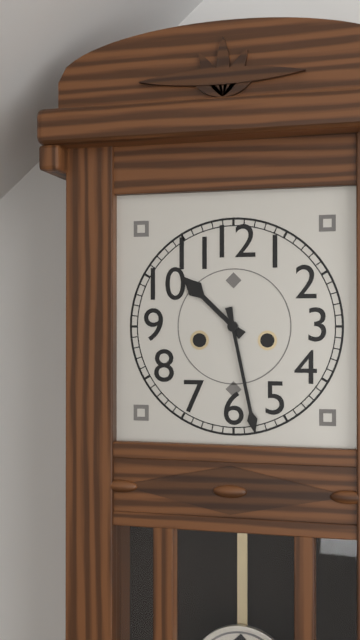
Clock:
10:28
